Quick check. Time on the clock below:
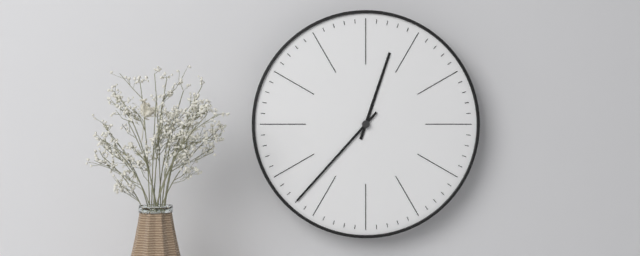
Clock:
12:37
